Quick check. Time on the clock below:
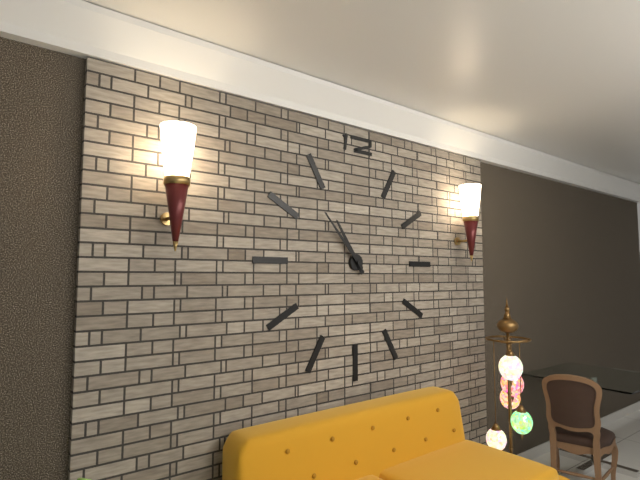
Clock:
10:53
